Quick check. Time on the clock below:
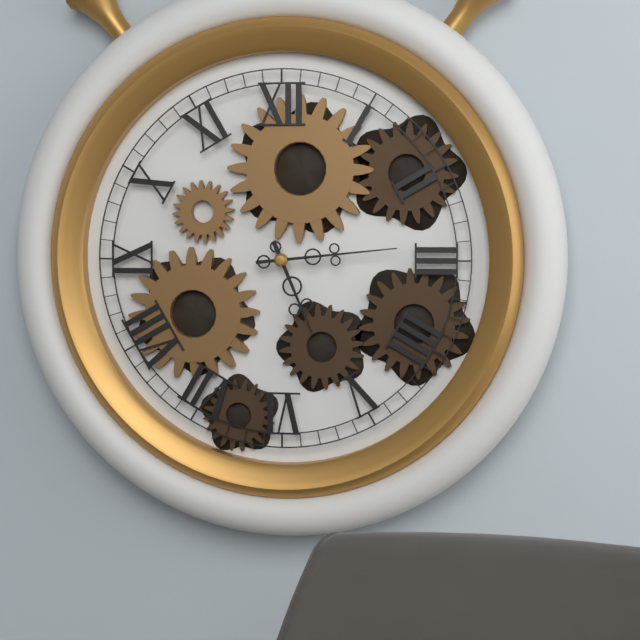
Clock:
5:14
